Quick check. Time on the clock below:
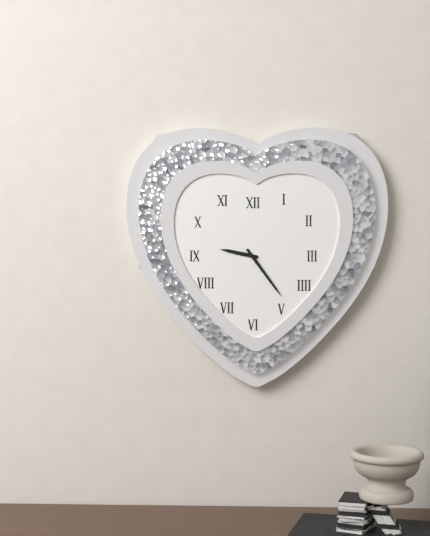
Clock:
9:24
